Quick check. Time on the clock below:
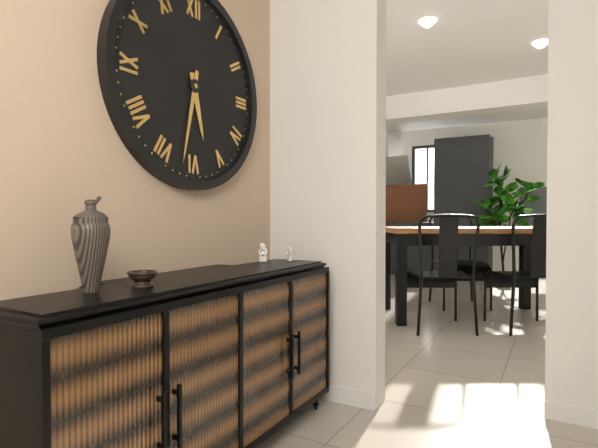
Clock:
5:32
